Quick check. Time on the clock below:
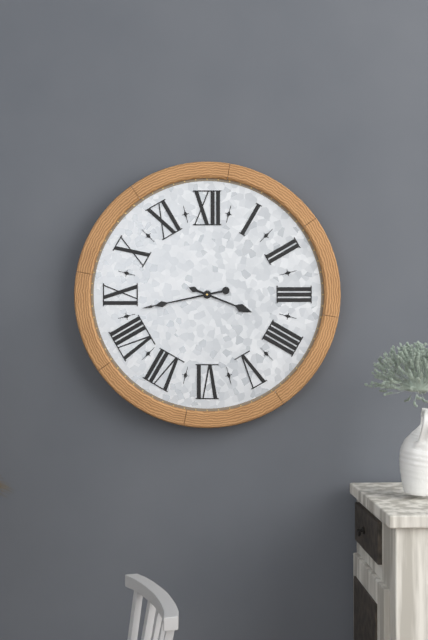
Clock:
3:43
